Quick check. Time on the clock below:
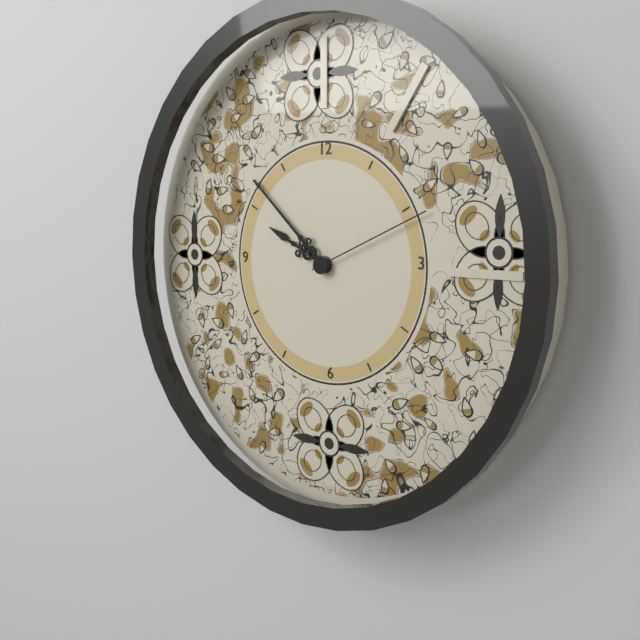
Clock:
9:52:11
